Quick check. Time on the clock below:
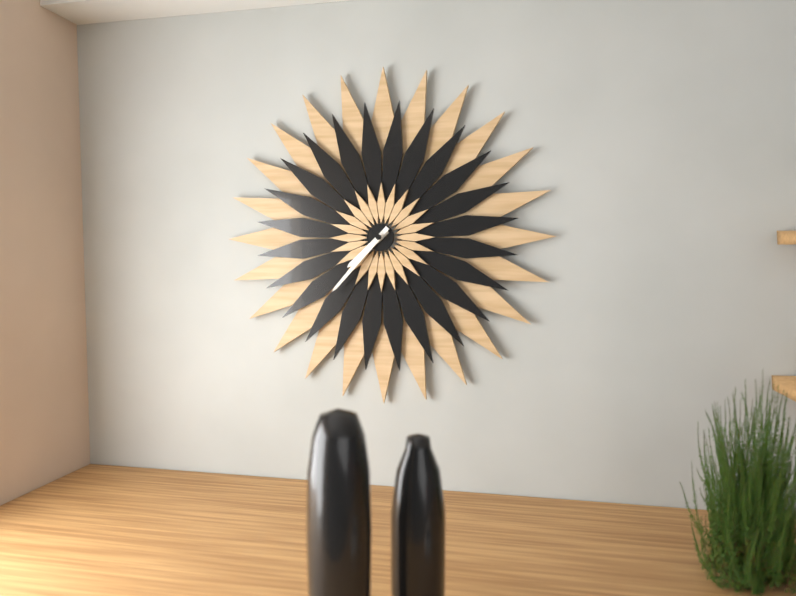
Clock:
7:37
